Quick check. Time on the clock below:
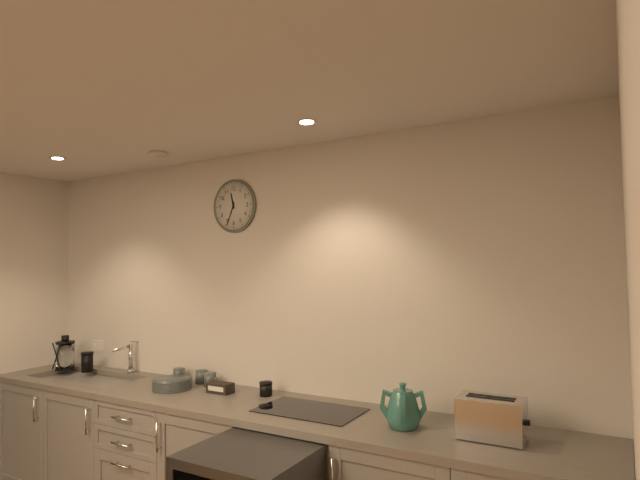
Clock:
11:34
